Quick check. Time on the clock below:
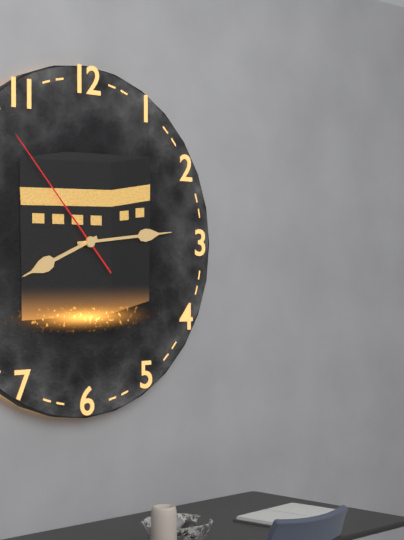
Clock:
8:14:53
